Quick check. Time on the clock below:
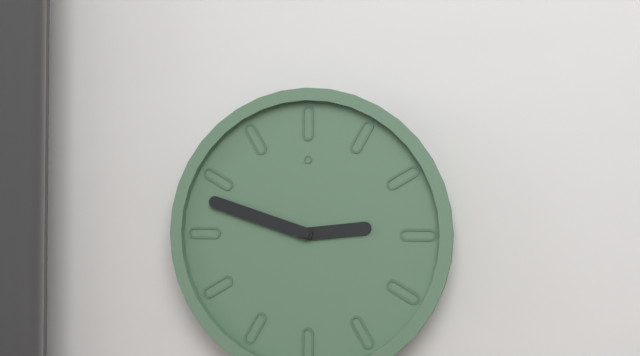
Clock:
2:48
